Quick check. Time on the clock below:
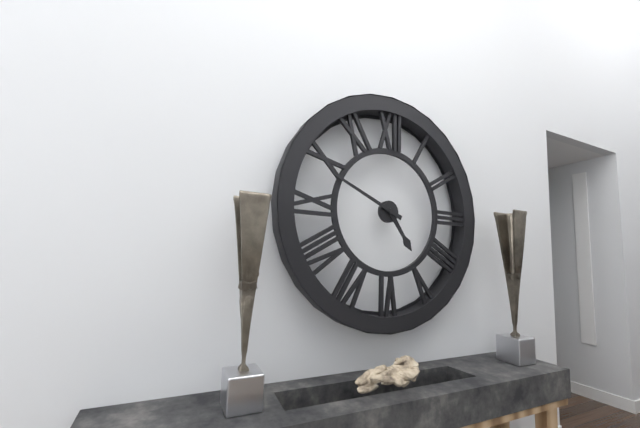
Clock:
4:49
